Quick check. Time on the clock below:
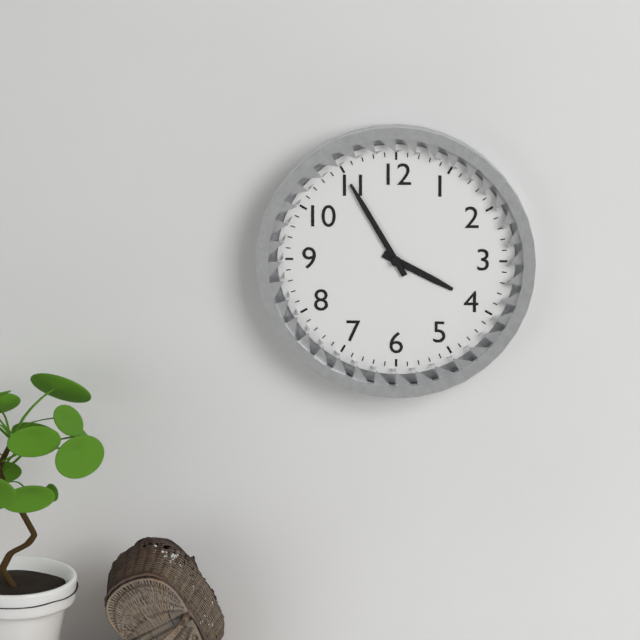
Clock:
3:55
